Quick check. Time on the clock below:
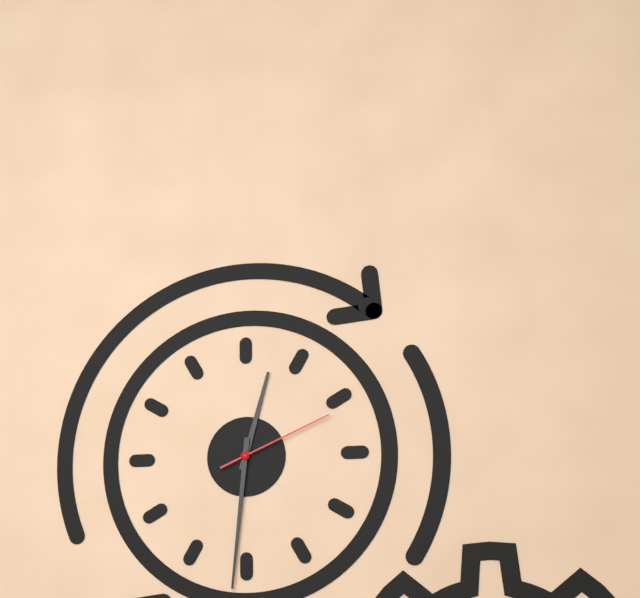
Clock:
12:31:11
